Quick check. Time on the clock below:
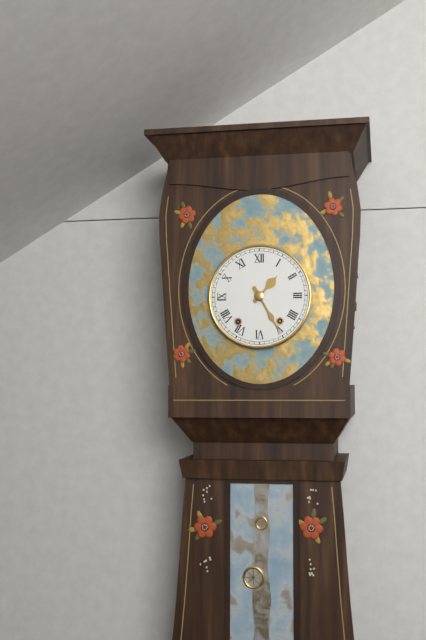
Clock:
1:25
